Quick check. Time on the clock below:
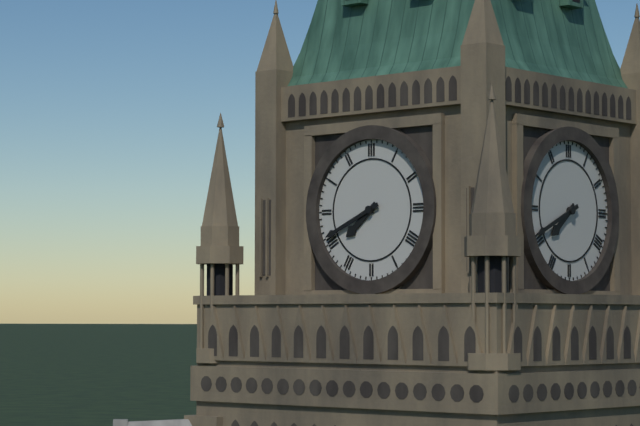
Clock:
7:41
